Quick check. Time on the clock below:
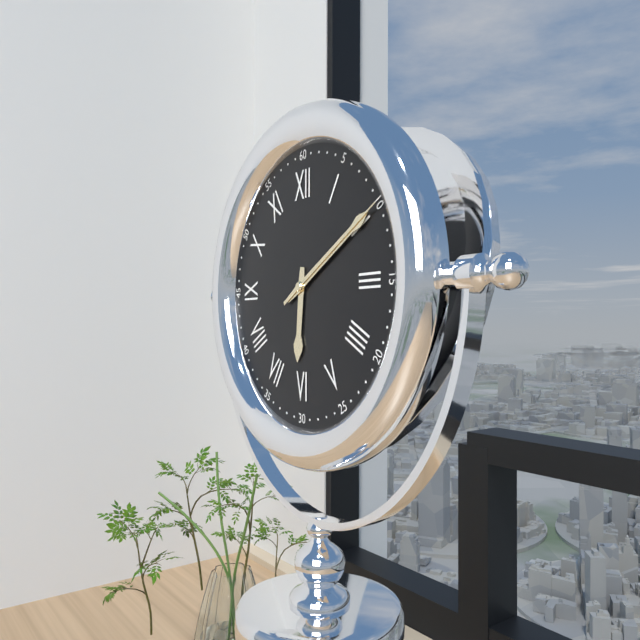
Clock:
6:10:10
